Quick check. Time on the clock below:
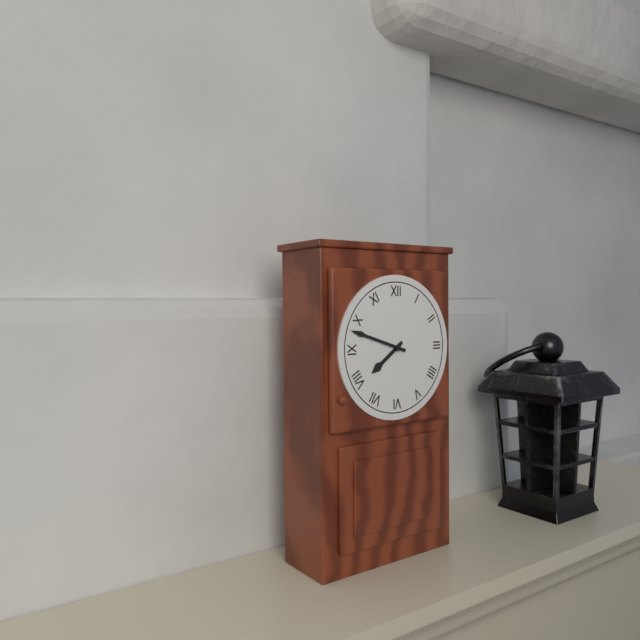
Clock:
7:48
